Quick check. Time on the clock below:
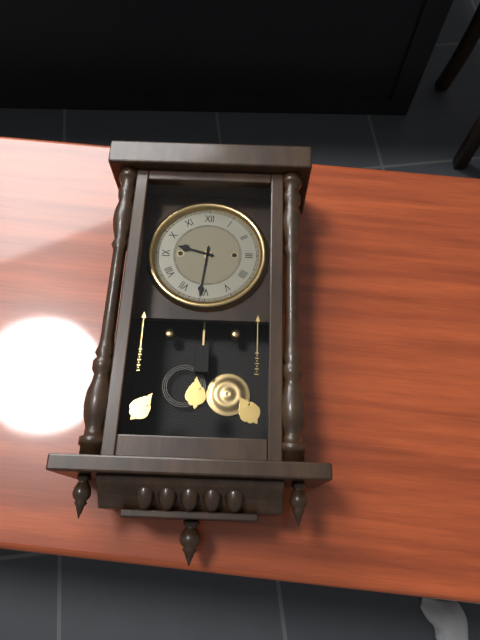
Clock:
9:31
